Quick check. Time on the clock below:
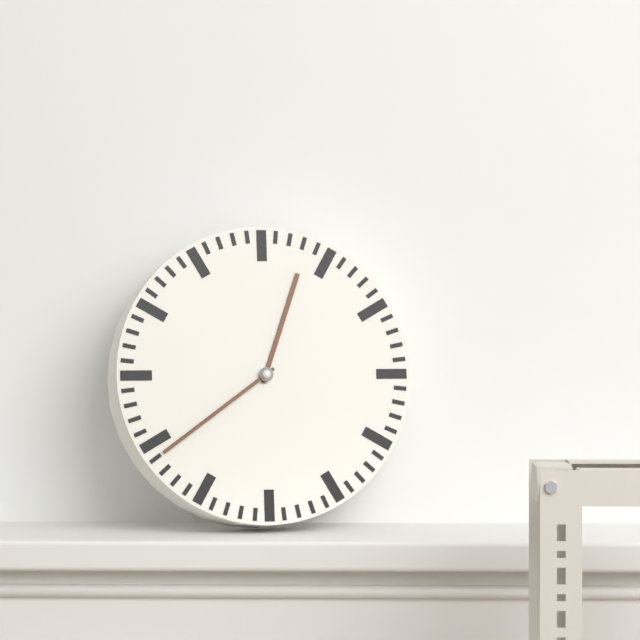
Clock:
12:39
